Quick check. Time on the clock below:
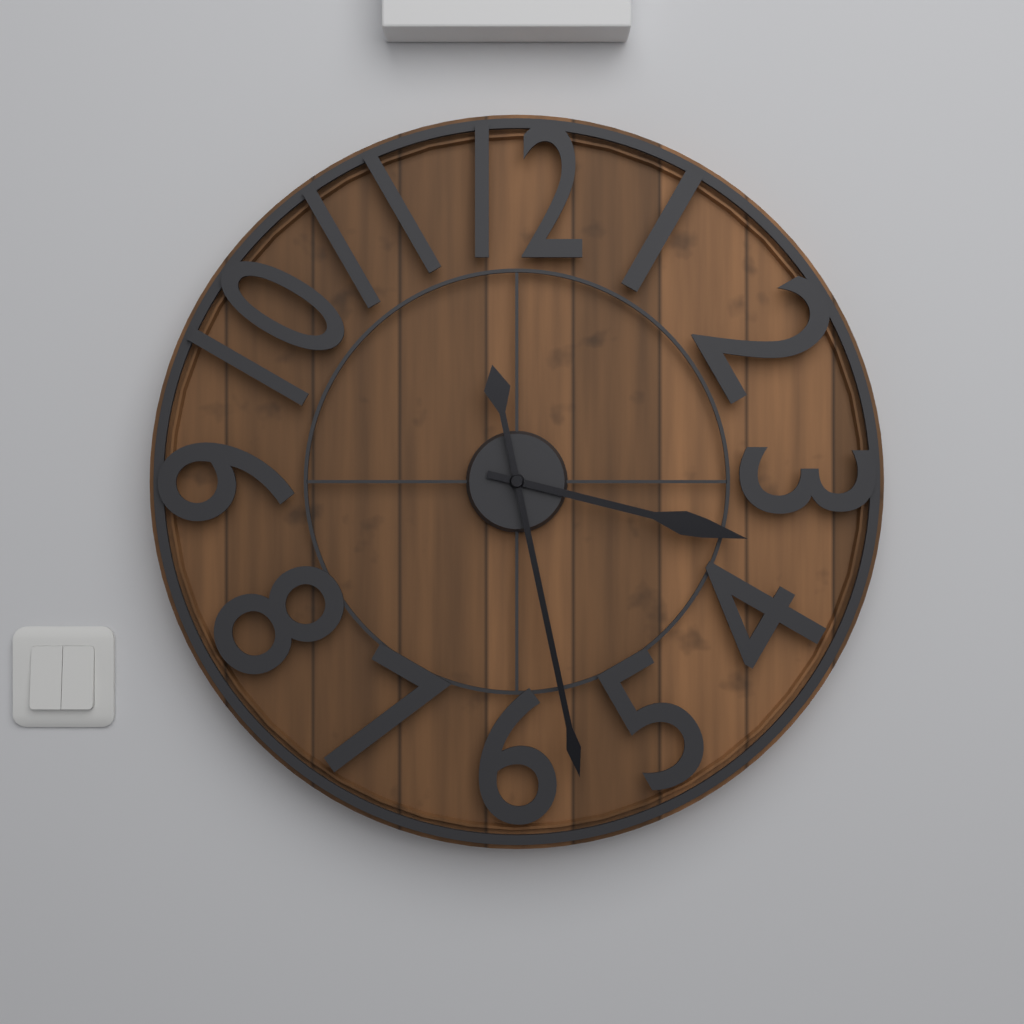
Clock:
3:28
